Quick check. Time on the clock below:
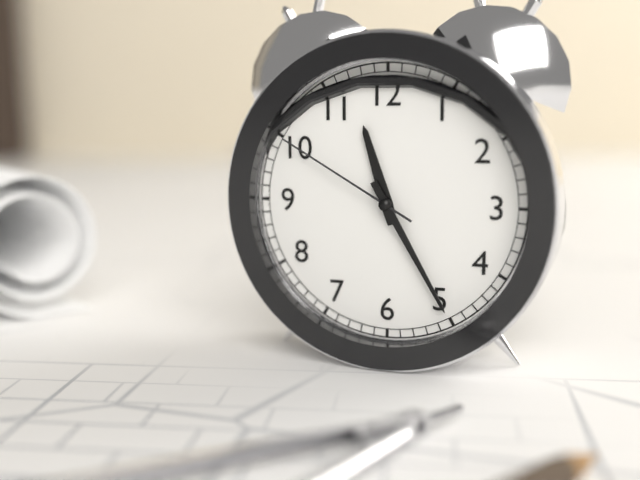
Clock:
11:25:50
